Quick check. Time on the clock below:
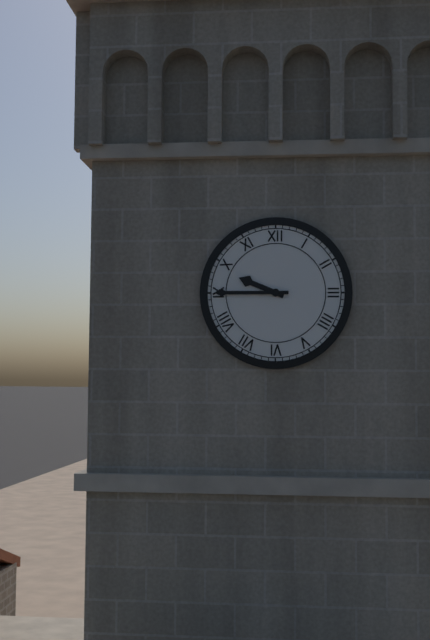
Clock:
9:45
